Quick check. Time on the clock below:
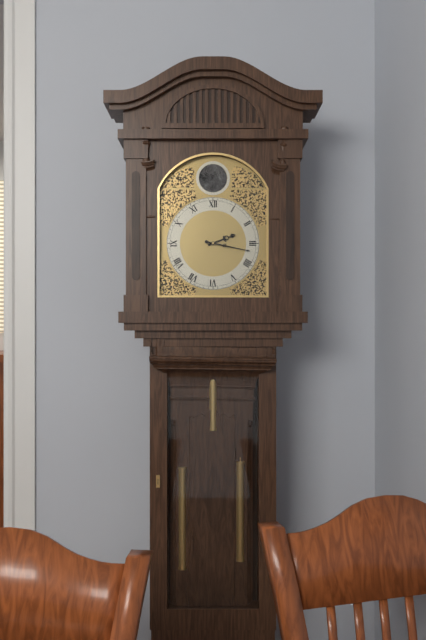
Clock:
2:17
